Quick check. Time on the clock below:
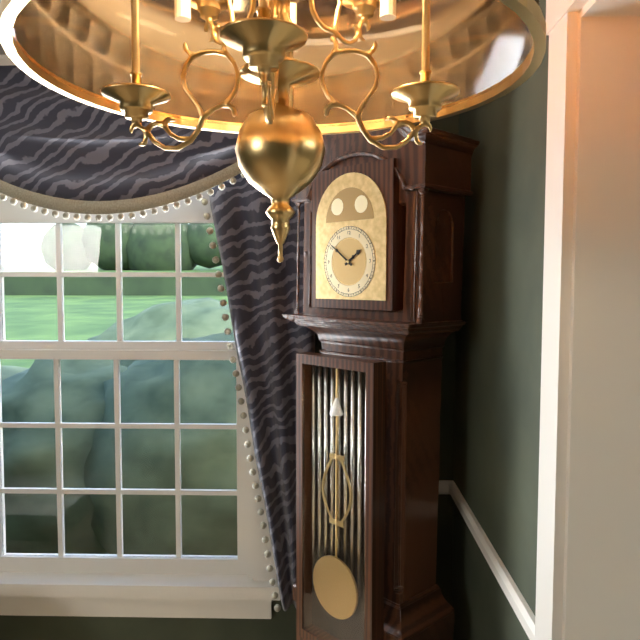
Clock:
1:51
